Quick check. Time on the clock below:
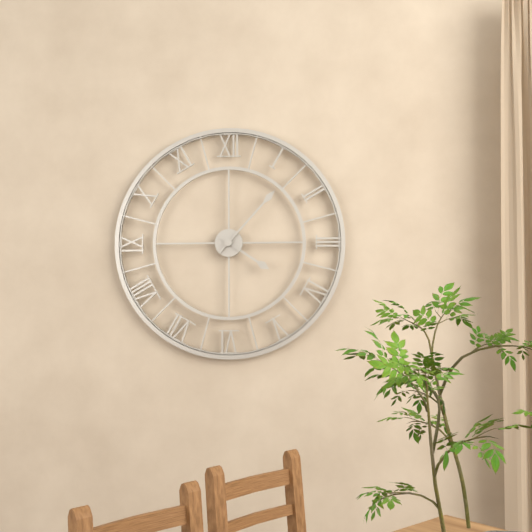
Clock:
4:07
